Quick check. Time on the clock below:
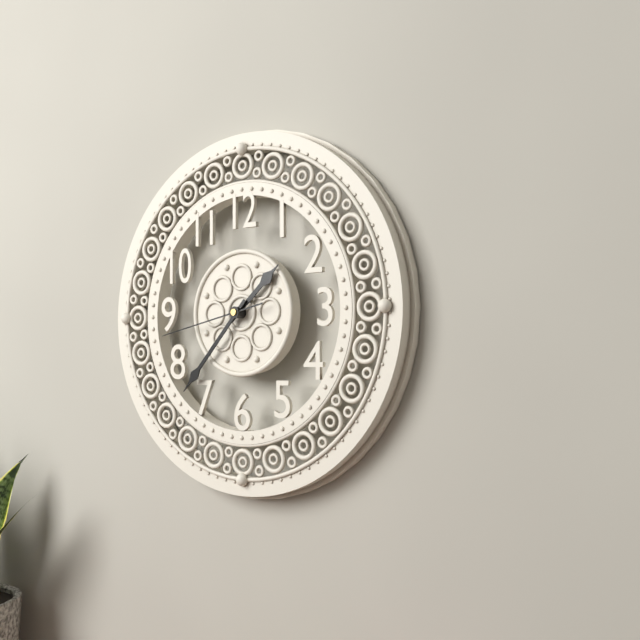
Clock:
1:37:43
